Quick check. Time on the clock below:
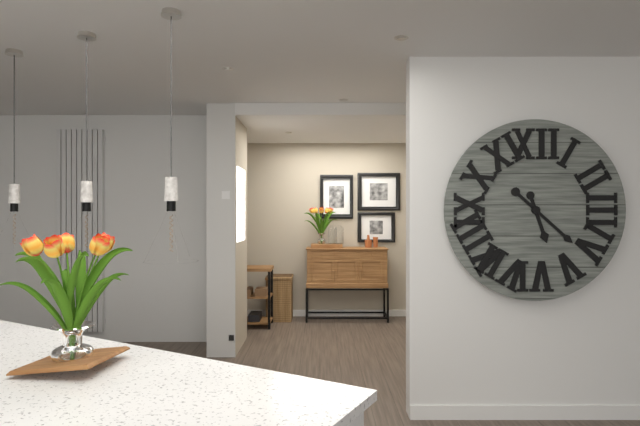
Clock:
5:22
